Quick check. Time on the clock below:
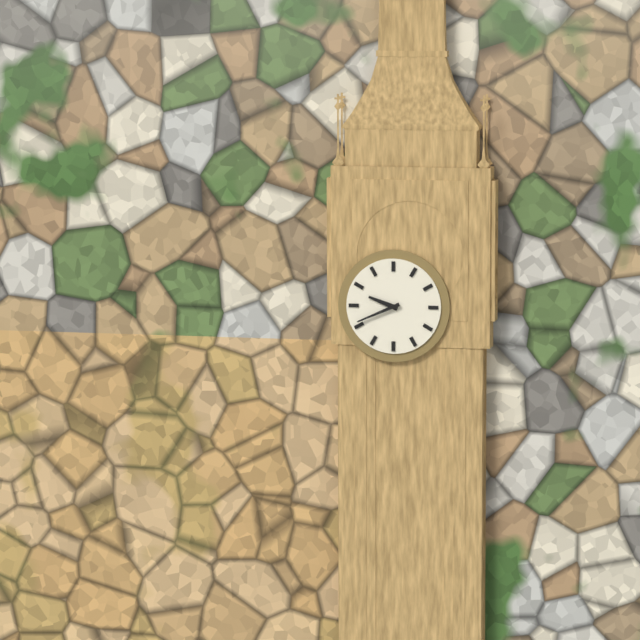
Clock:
9:41
